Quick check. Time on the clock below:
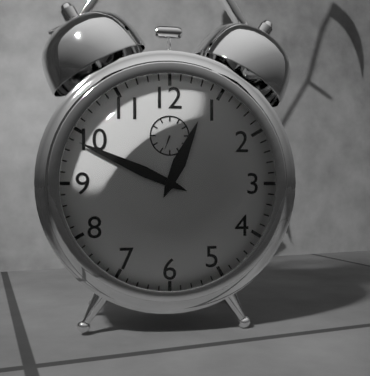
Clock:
12:49
